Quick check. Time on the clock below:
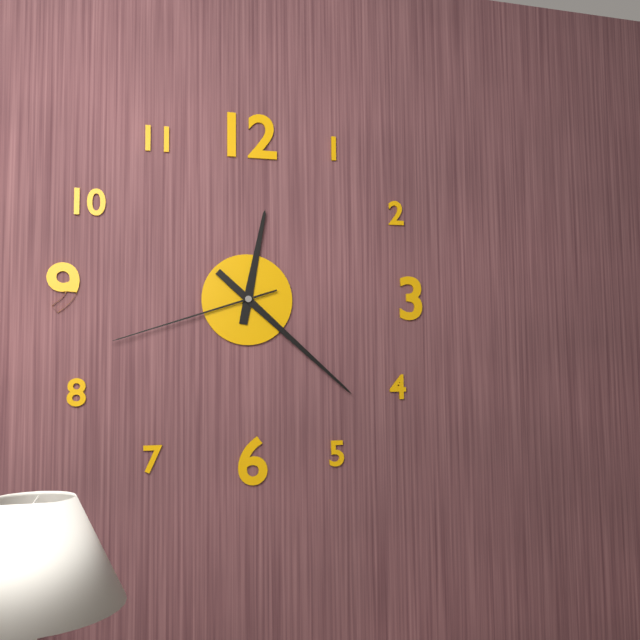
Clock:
12:22:42
